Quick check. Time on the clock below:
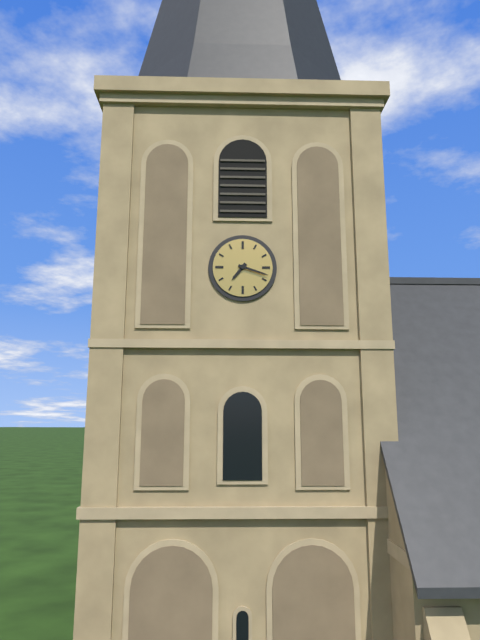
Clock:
7:18
